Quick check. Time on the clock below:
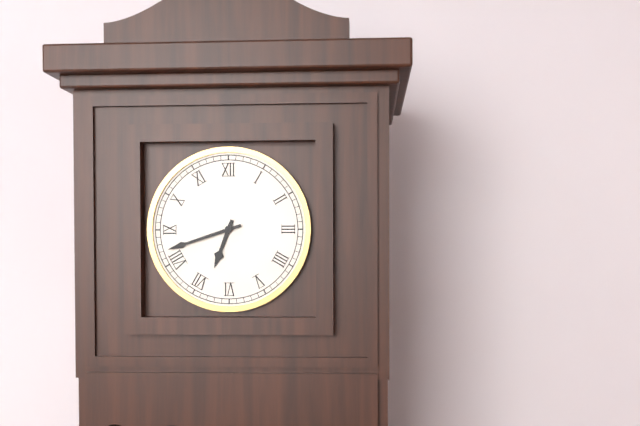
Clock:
6:42
